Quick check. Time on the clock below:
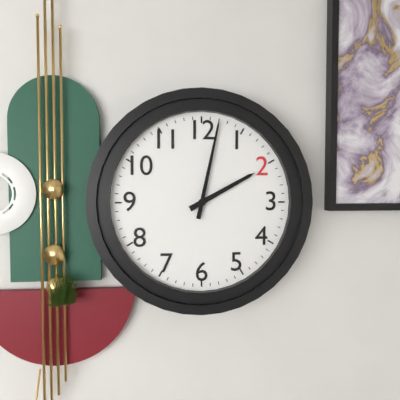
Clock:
2:02
